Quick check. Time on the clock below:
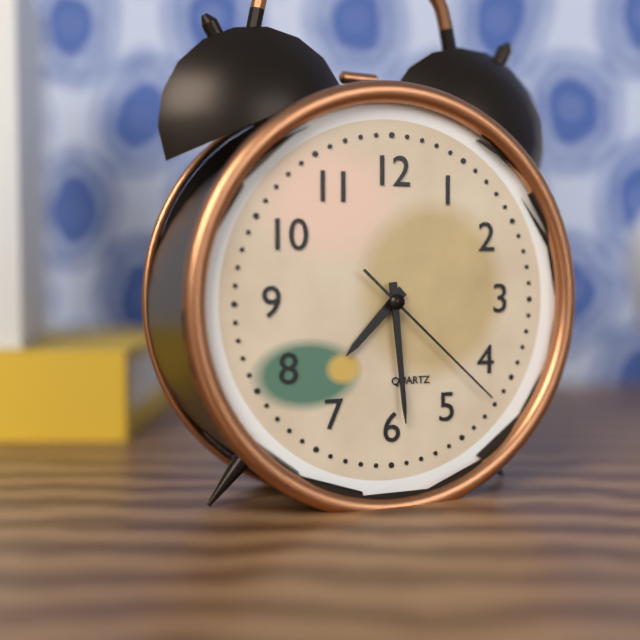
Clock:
7:29:22
